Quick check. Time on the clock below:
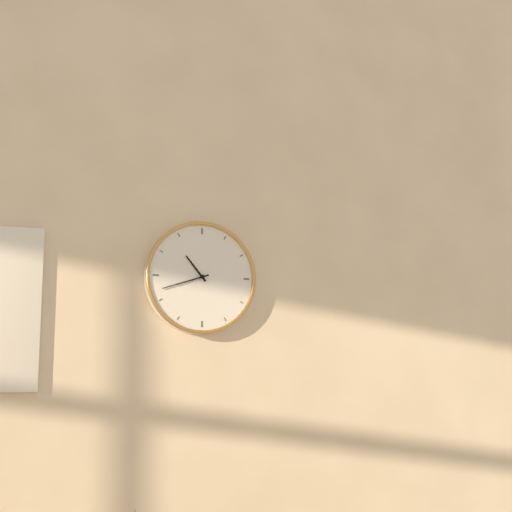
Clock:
10:42
